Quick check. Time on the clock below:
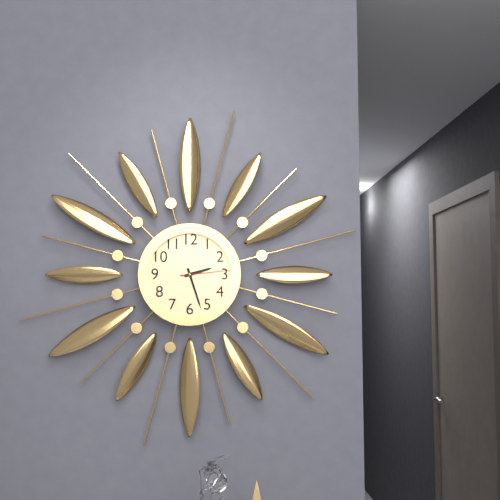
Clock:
2:27:14
